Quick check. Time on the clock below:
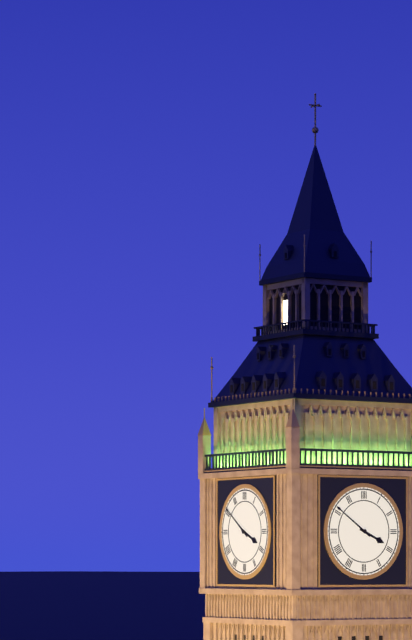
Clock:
3:51
